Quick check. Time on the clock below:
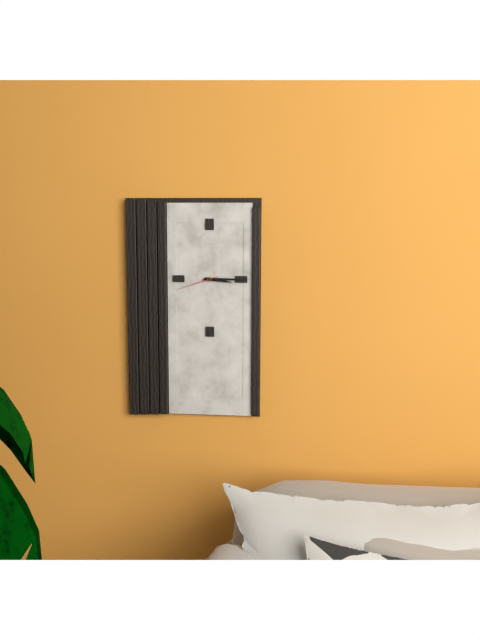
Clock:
3:15
